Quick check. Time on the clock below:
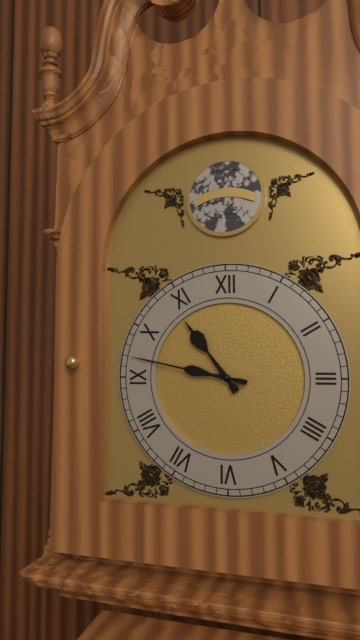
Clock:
10:47
